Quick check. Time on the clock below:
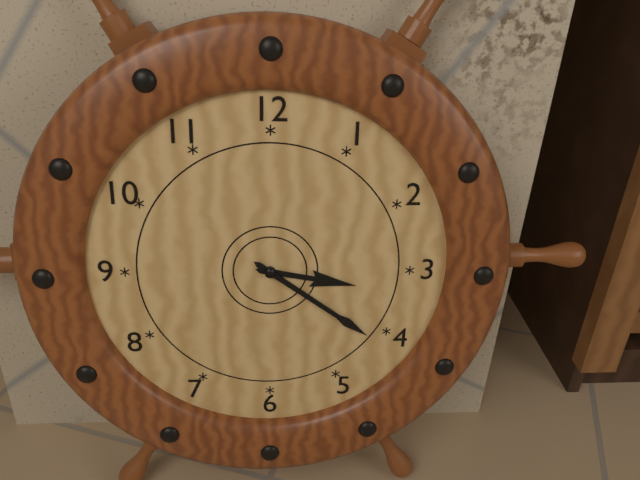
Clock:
3:21
